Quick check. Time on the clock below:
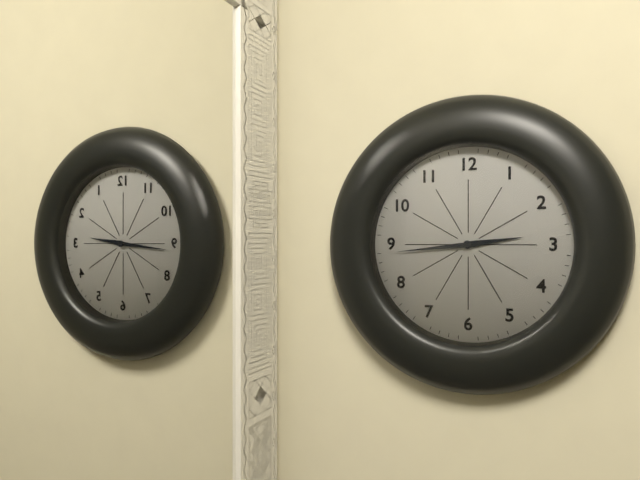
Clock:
2:44
